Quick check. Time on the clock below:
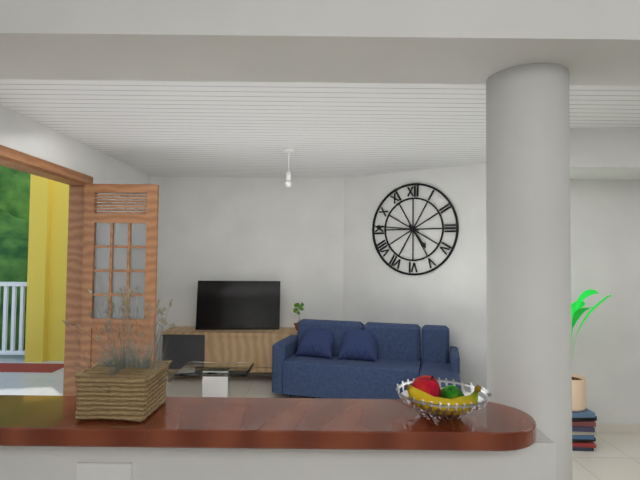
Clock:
4:46
